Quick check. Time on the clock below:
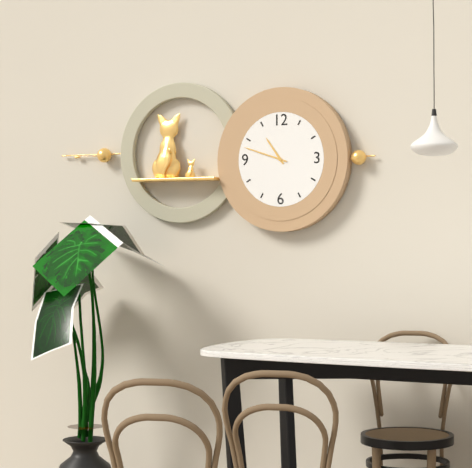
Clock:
10:48
